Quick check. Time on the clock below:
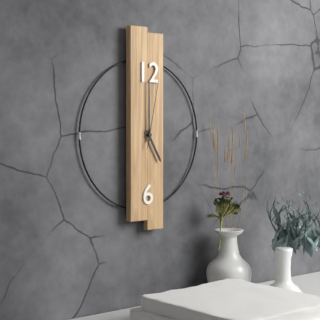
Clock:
5:00:02
